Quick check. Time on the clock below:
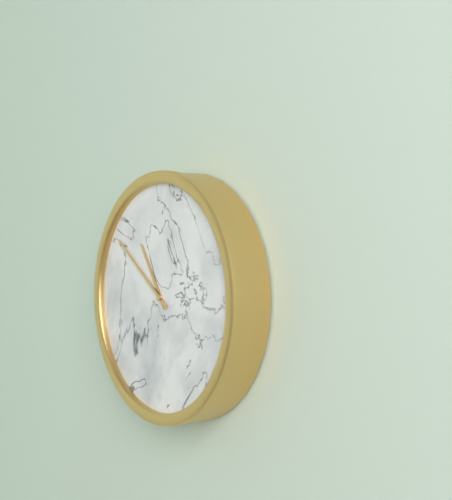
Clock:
10:51
